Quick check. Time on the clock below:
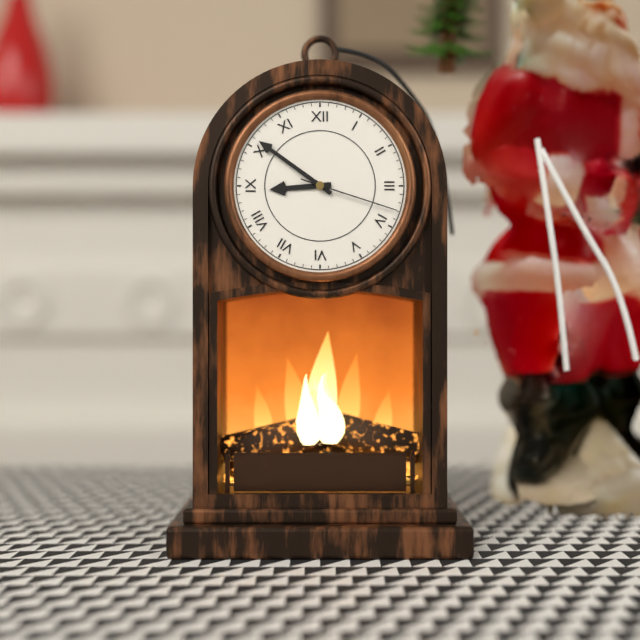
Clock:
8:51:18
